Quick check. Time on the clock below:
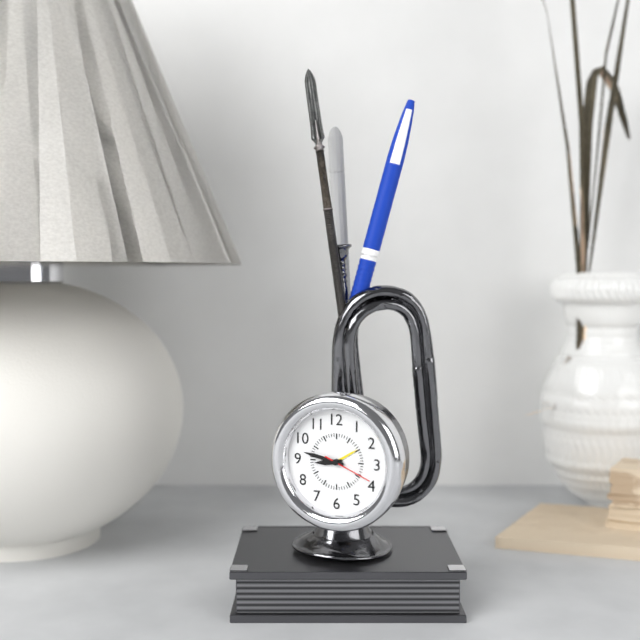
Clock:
8:47
